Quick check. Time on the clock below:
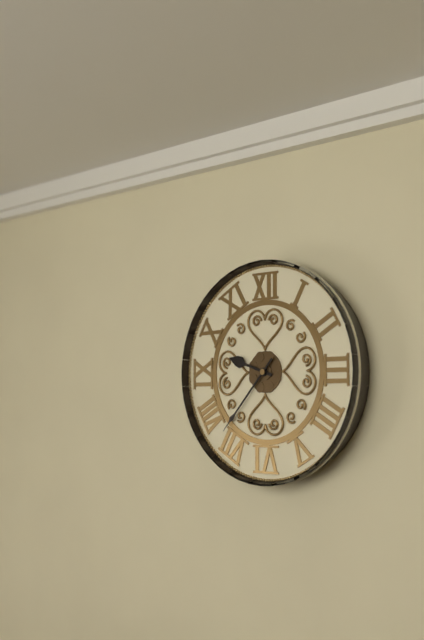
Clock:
9:37
